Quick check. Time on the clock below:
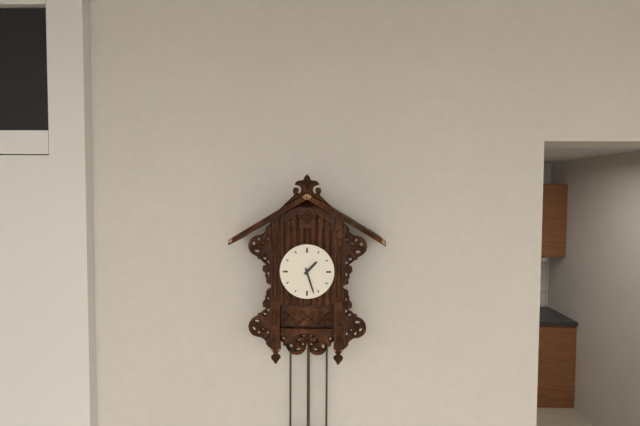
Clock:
1:27
